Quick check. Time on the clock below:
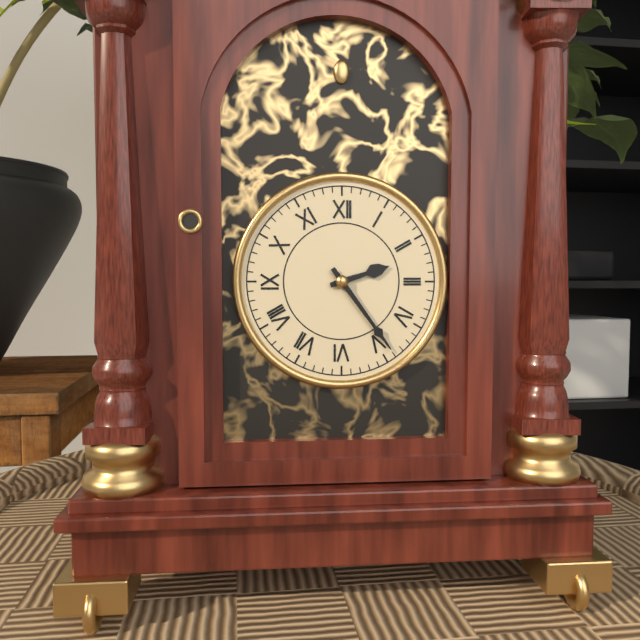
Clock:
2:24
